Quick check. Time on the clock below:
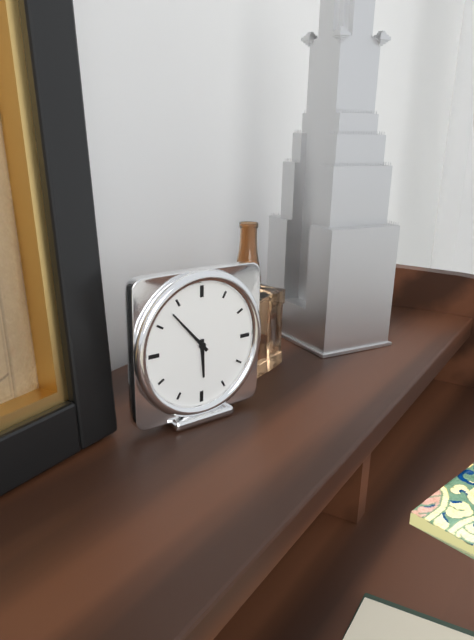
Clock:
5:53
